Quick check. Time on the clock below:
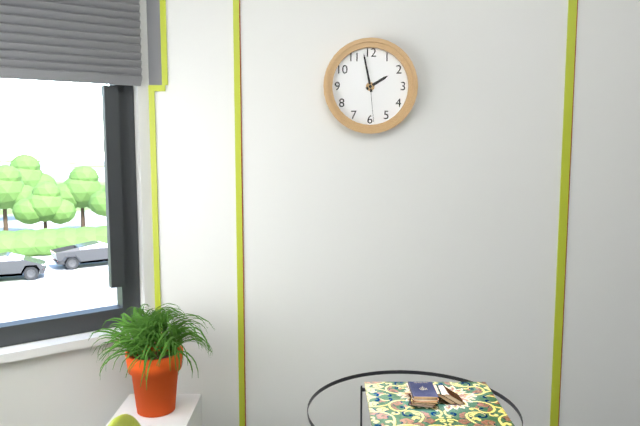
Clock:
1:58
